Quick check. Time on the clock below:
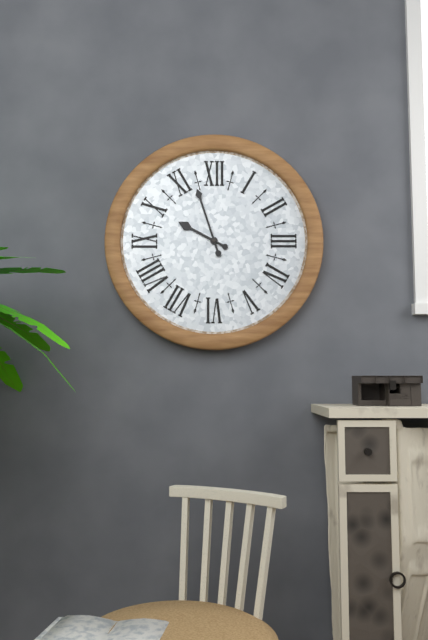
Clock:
9:57
